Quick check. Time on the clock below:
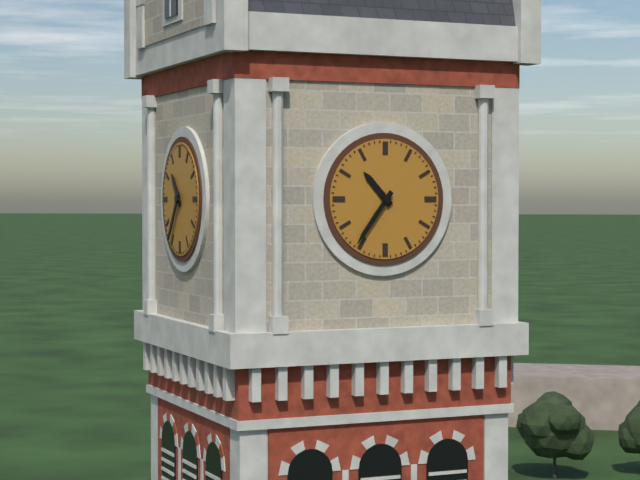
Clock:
10:36
